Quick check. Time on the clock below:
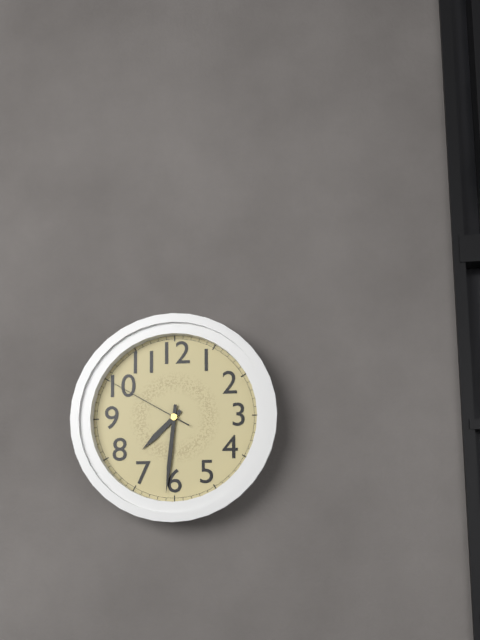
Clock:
7:31:50
